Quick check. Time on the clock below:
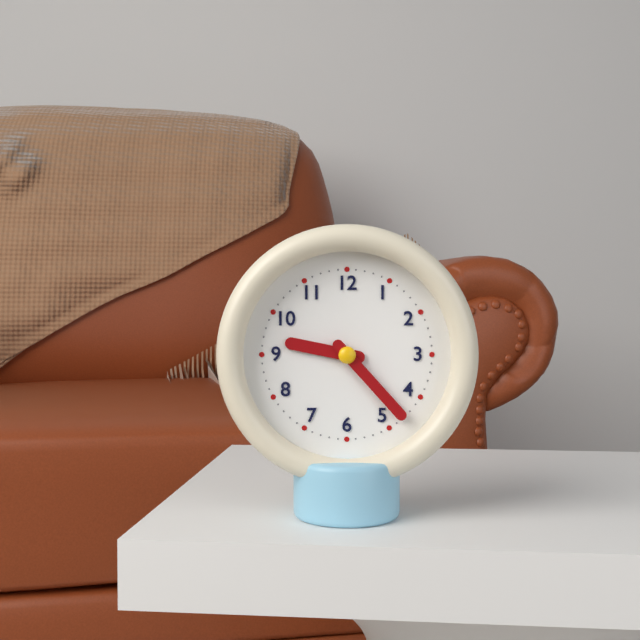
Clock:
9:23
